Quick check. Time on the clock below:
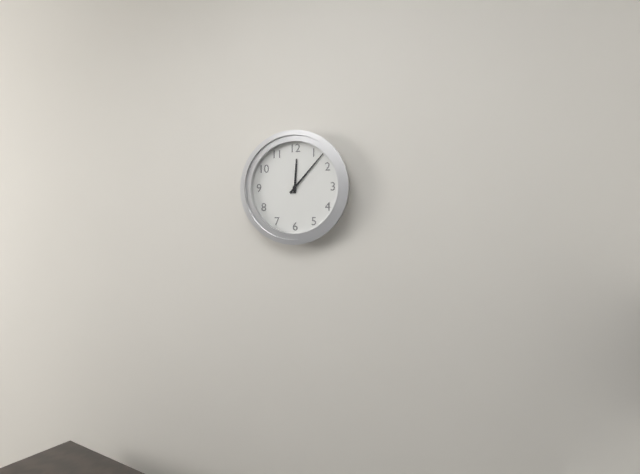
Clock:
12:07
